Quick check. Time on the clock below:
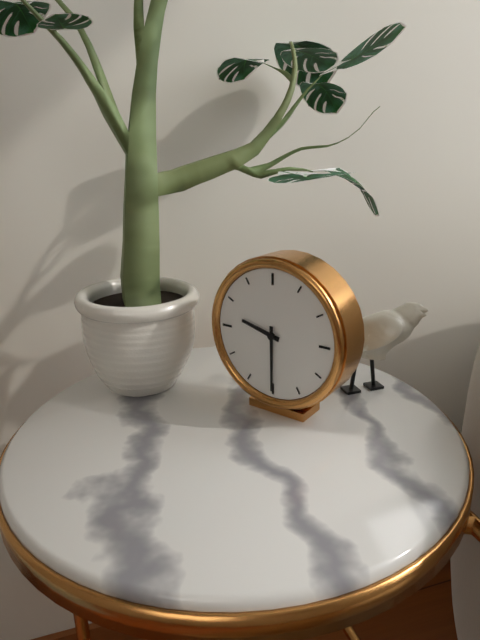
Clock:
9:30
